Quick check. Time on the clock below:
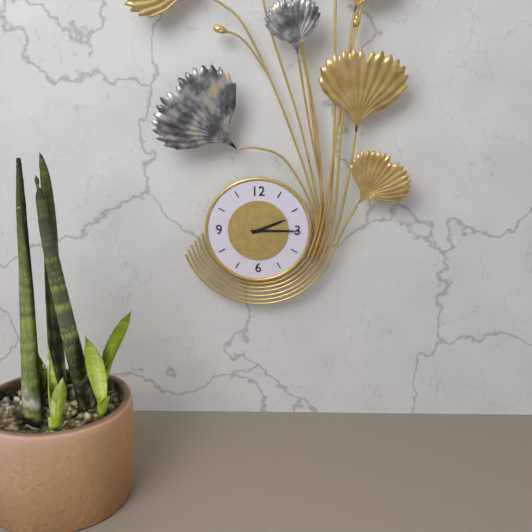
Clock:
2:15
